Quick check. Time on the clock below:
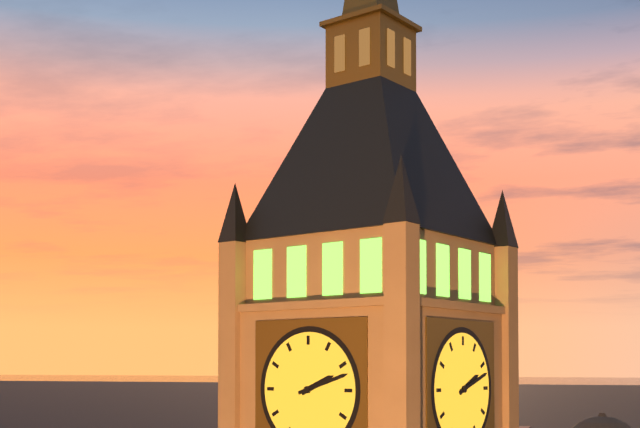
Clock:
2:12
